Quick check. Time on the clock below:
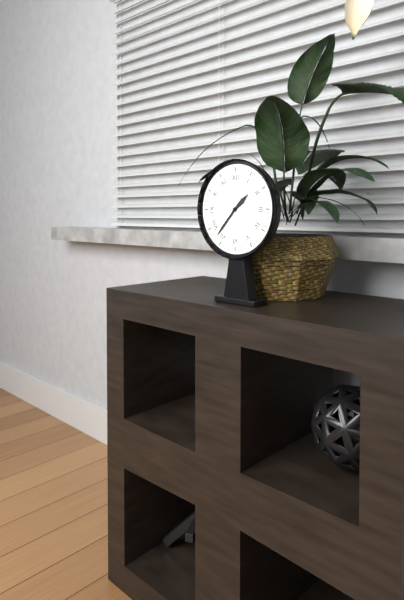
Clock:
1:37
